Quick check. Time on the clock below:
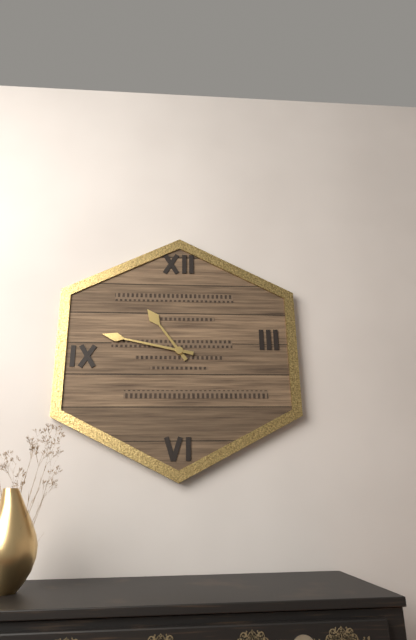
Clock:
10:47
